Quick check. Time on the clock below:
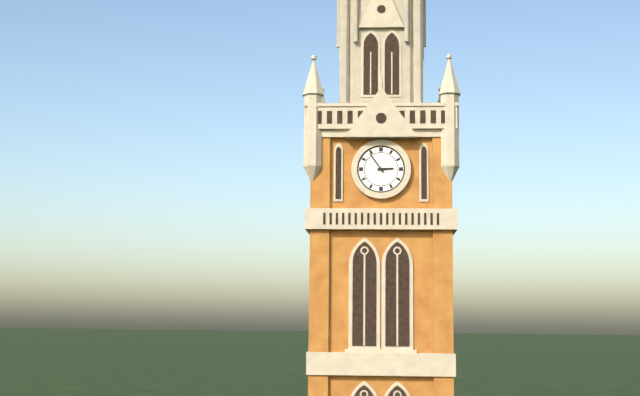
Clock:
2:54
